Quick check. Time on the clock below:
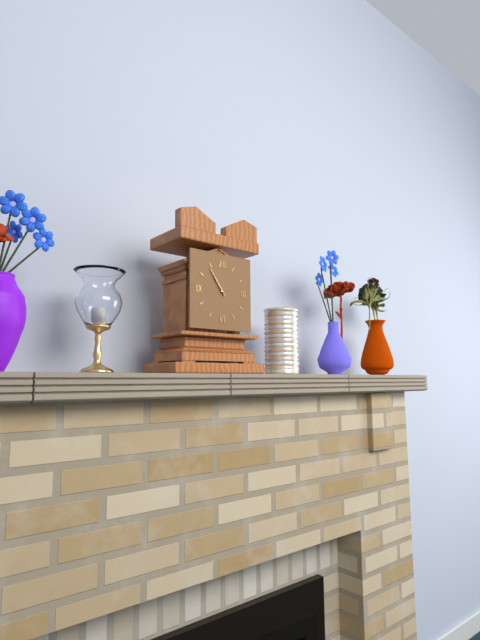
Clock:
10:54
